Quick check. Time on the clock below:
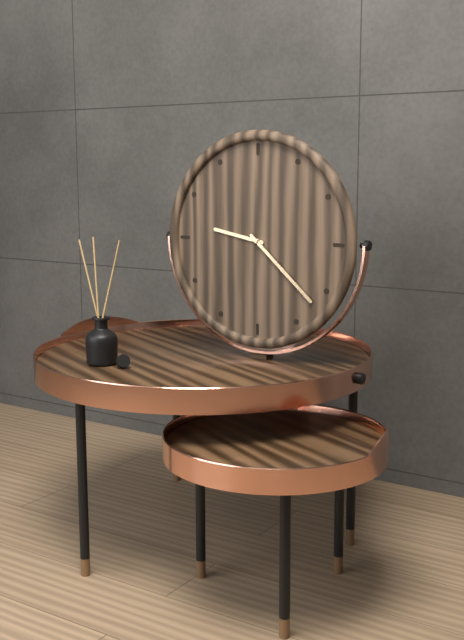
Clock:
9:22
